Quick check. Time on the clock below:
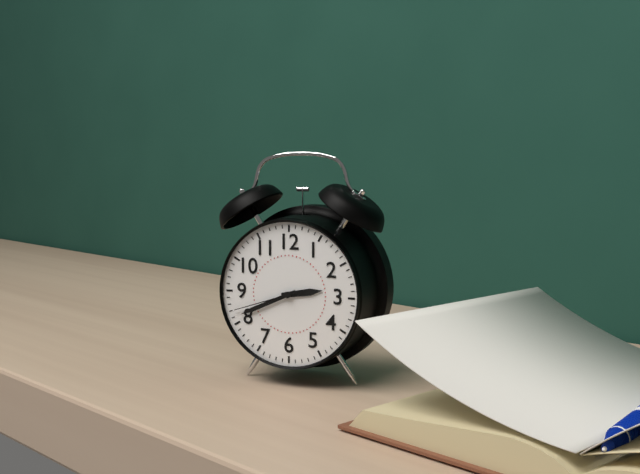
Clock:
2:41:42
